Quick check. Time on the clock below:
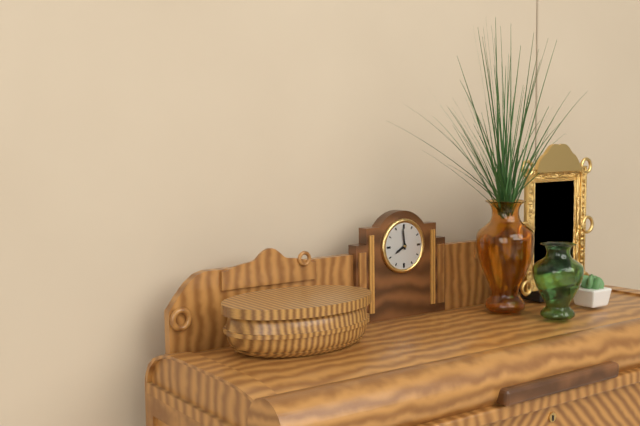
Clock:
7:59
